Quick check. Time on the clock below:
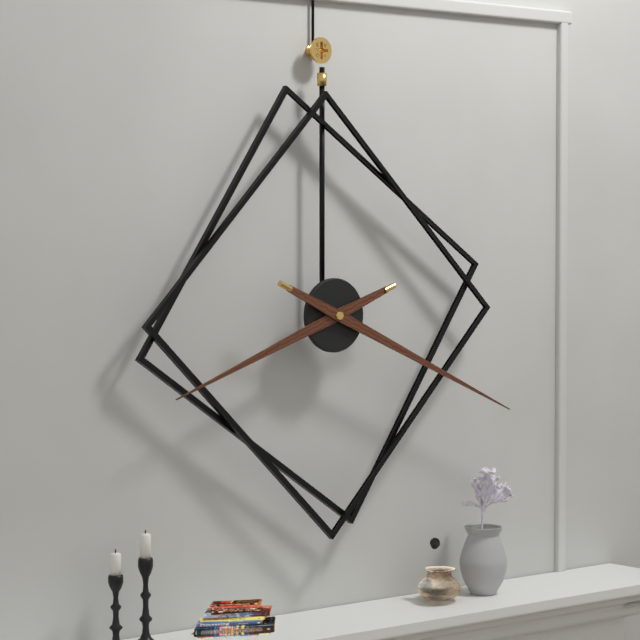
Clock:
8:19
